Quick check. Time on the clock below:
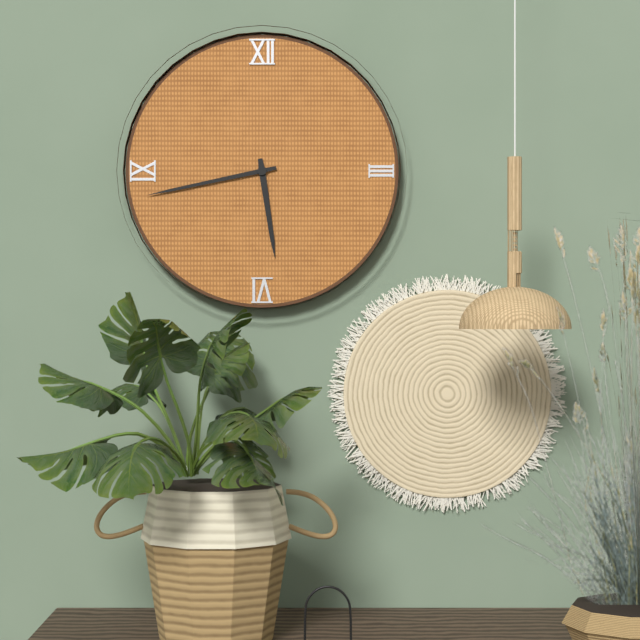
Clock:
5:43
